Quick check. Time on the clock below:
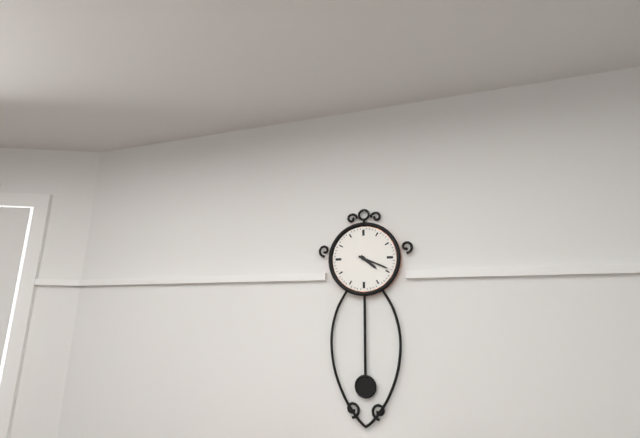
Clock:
4:19
